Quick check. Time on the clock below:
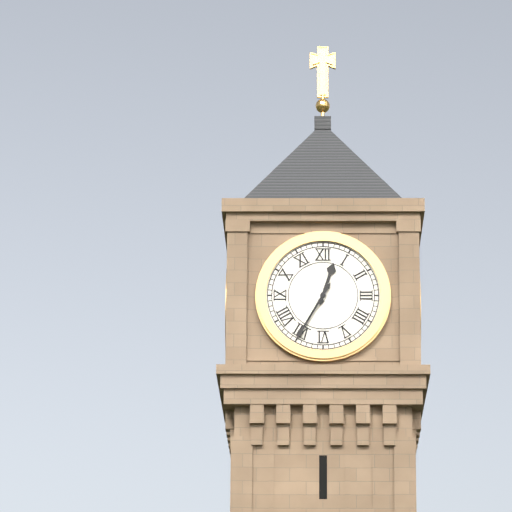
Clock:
12:35
